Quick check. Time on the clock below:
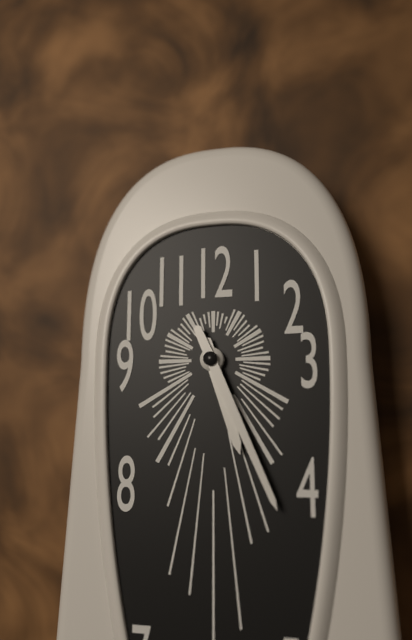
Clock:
5:26
